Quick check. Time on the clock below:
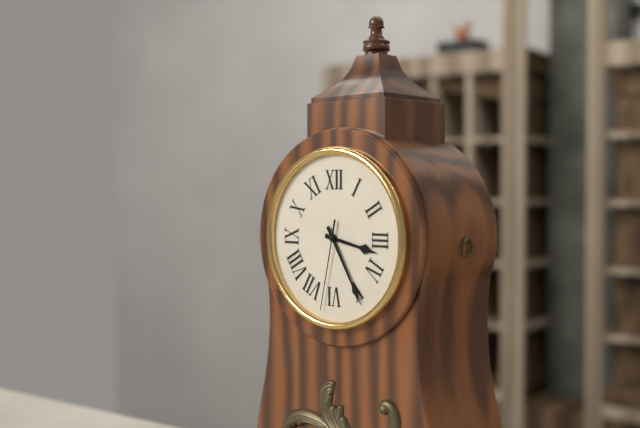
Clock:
3:25:32
